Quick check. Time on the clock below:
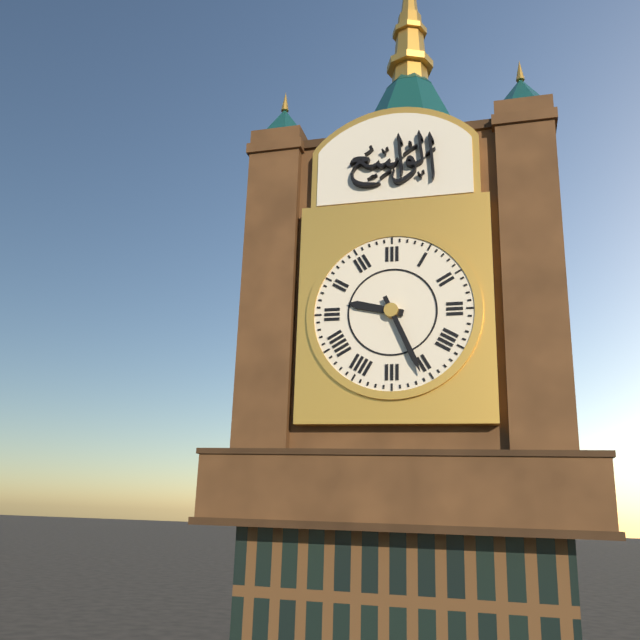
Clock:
9:26
